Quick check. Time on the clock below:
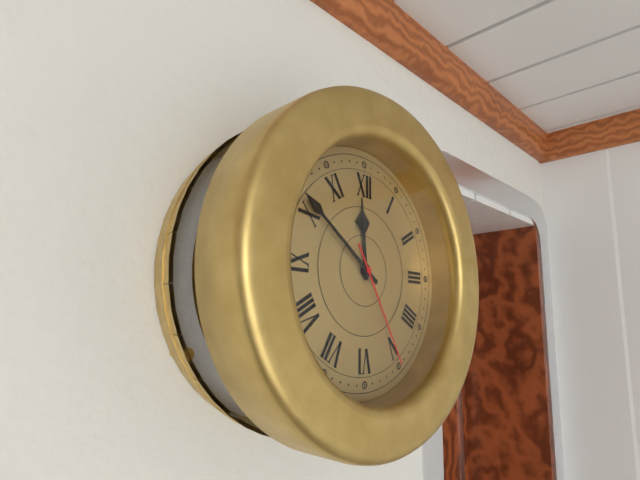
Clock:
11:51:25
